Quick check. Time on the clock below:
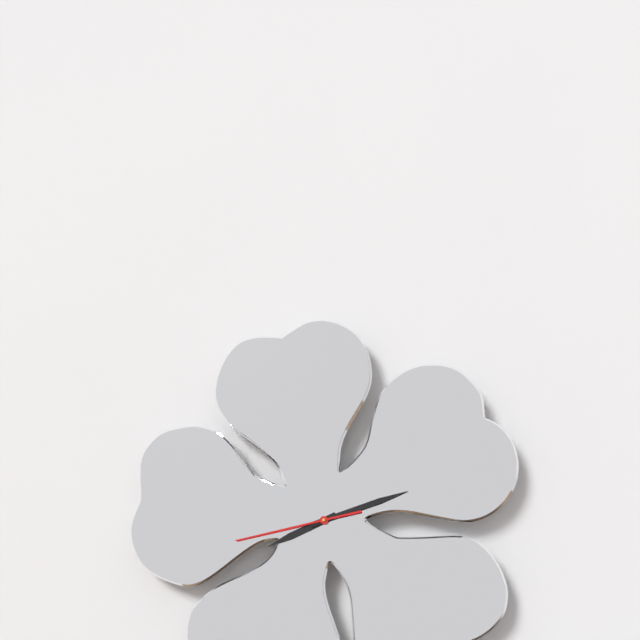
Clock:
8:12:43
